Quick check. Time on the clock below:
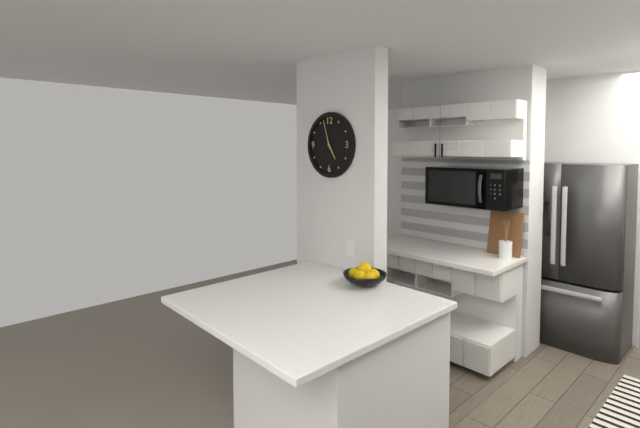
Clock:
4:57
